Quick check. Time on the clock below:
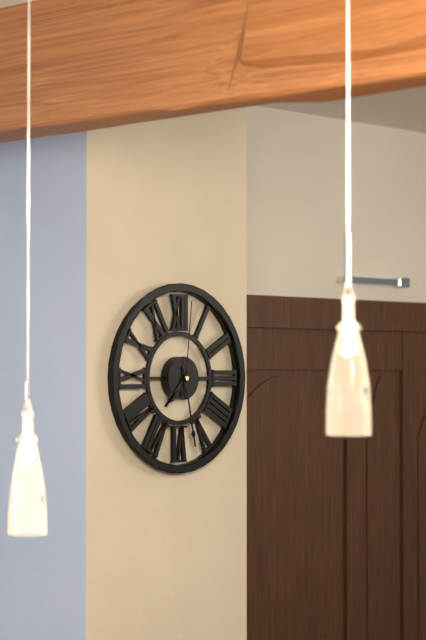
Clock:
7:28:01
